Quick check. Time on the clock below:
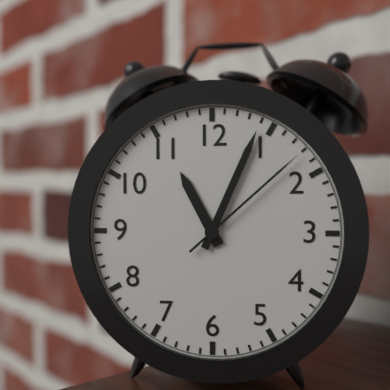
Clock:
11:04:08
